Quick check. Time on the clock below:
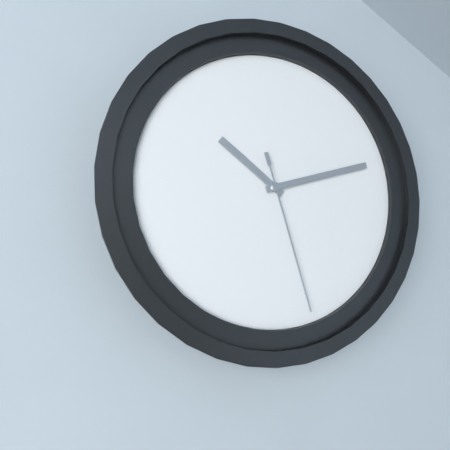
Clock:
10:12:27
